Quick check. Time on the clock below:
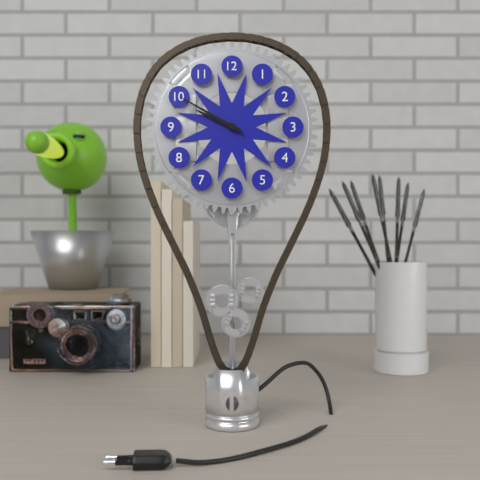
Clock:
9:50
